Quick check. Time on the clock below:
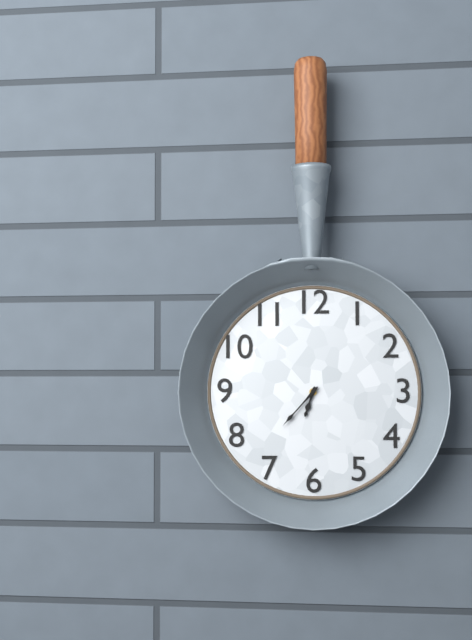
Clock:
6:37
